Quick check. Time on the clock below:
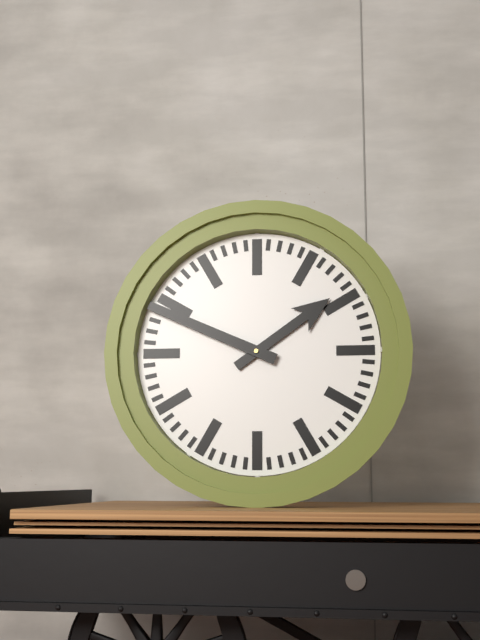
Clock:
1:49
